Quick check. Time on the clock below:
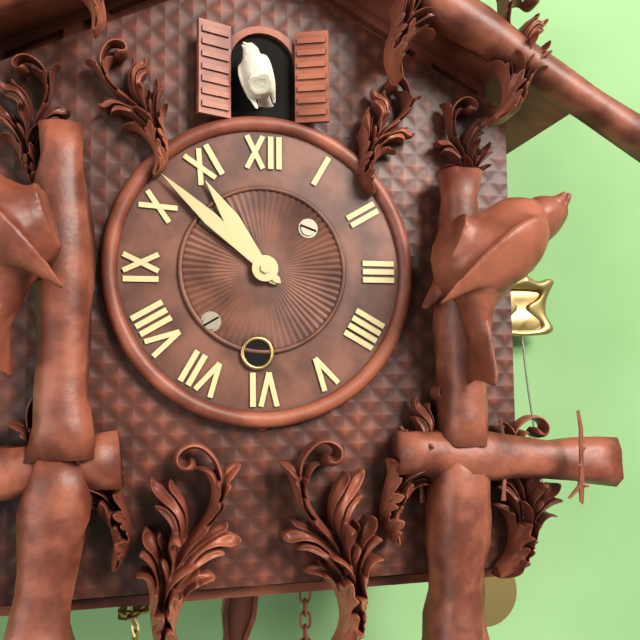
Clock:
10:52
